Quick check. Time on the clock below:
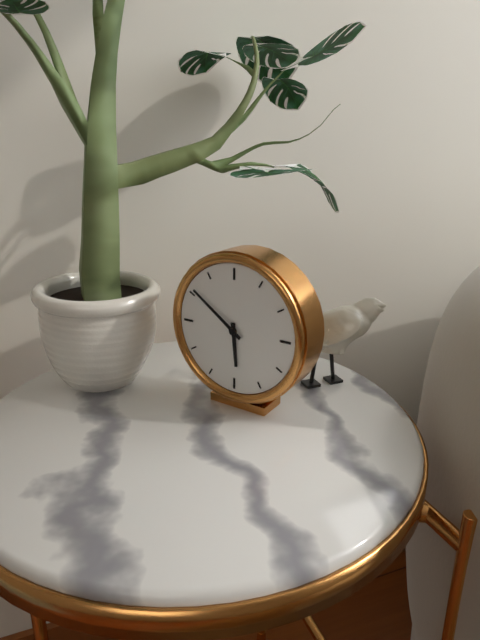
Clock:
5:51
